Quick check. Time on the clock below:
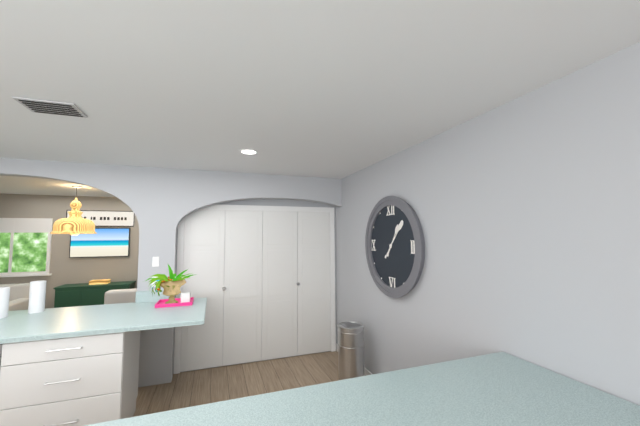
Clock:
1:07
